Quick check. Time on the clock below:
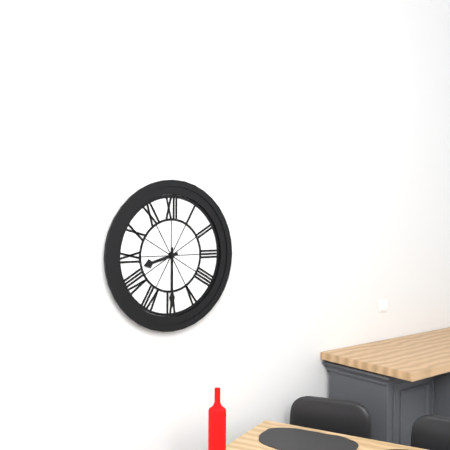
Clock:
8:30
